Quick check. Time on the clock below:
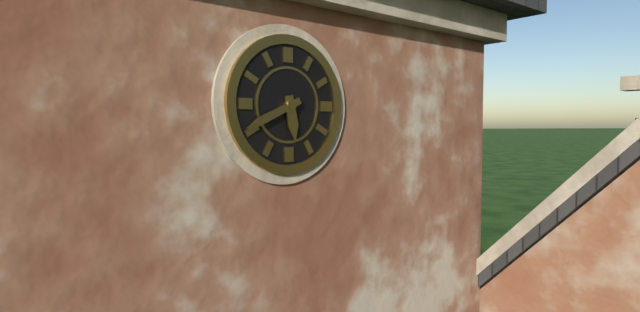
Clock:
5:41
